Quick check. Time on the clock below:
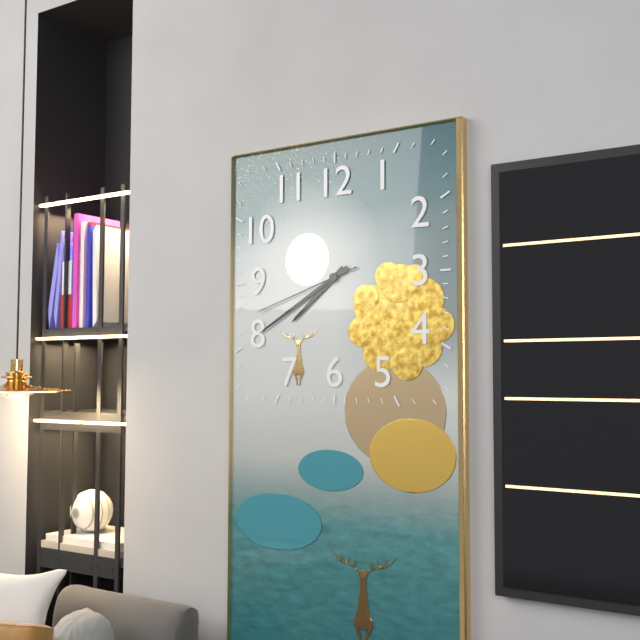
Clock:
7:40:42
